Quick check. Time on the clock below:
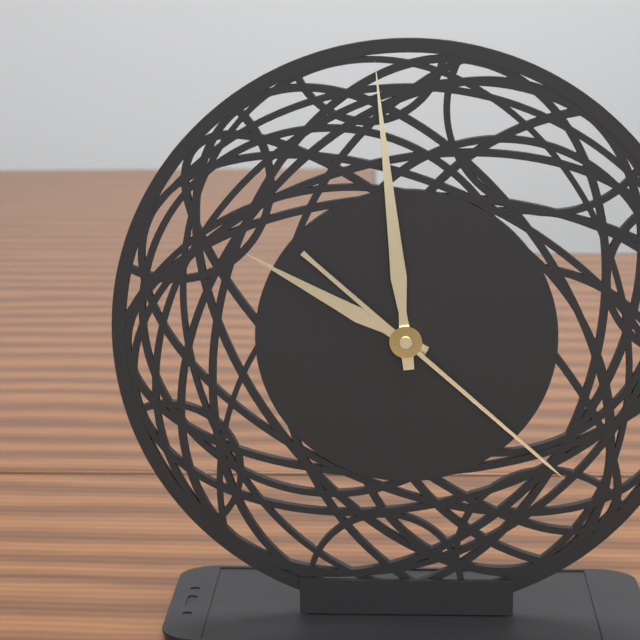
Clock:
9:59:22
